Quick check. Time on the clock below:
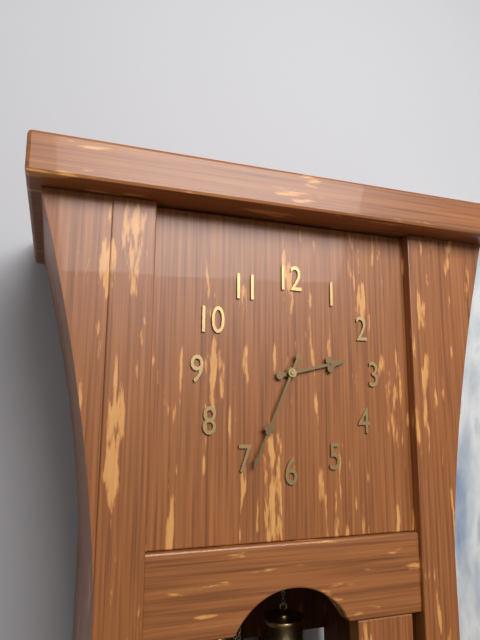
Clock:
2:34
